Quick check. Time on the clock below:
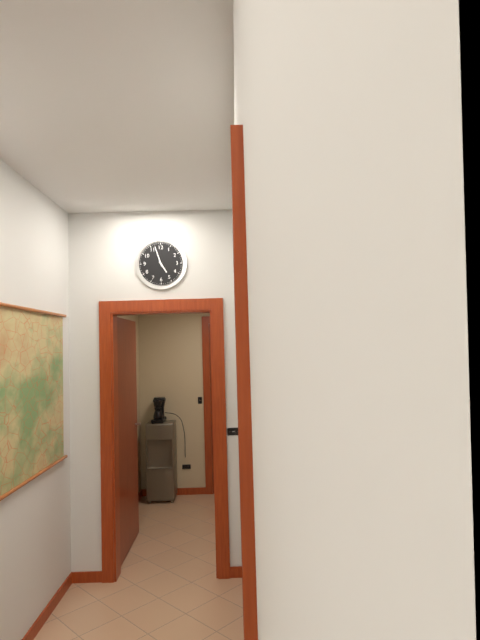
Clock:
4:57
